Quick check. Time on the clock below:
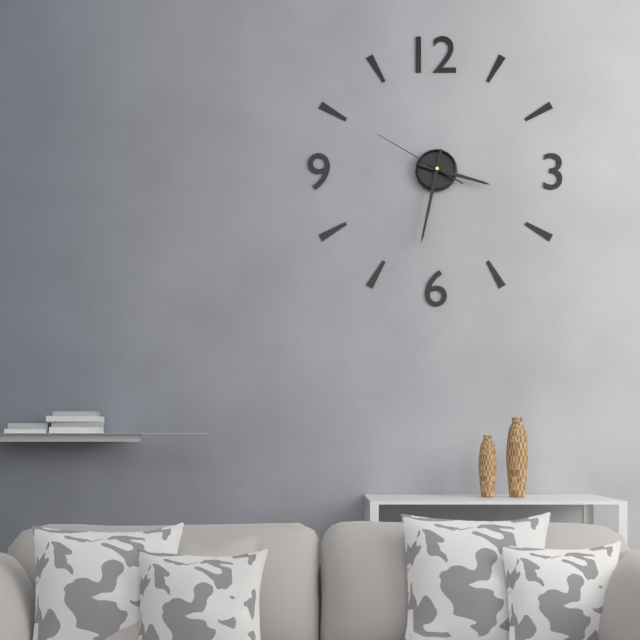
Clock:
3:32:50
